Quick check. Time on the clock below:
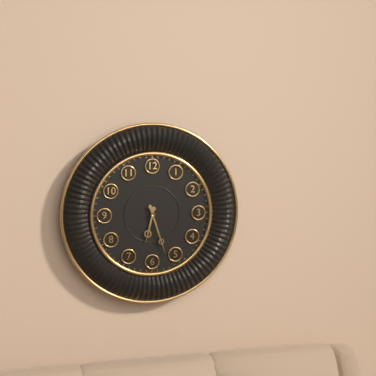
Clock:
6:27
